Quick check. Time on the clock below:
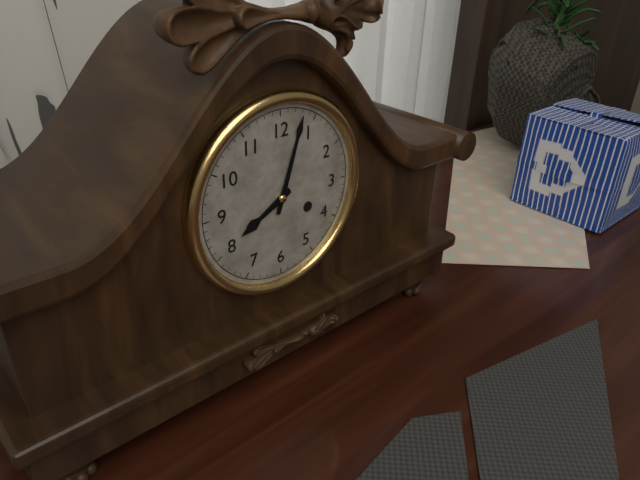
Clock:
8:03
